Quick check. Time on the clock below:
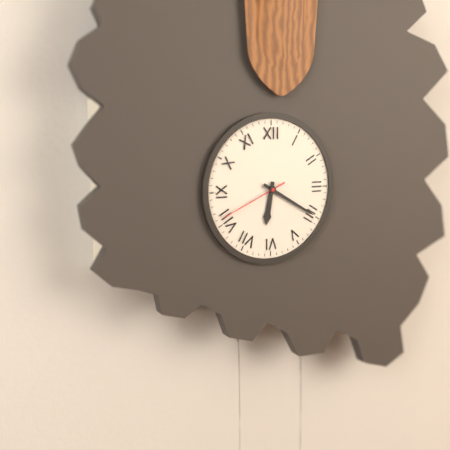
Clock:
6:20:41
